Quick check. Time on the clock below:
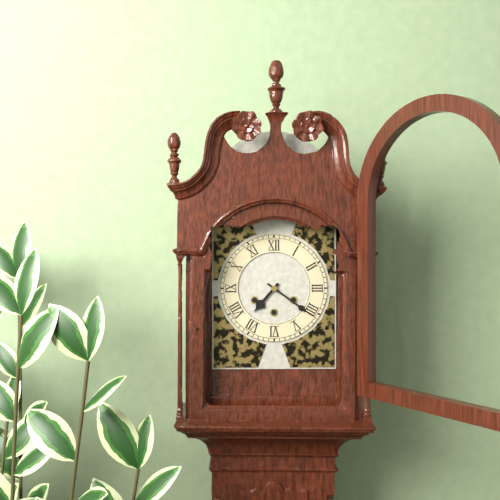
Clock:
7:21
